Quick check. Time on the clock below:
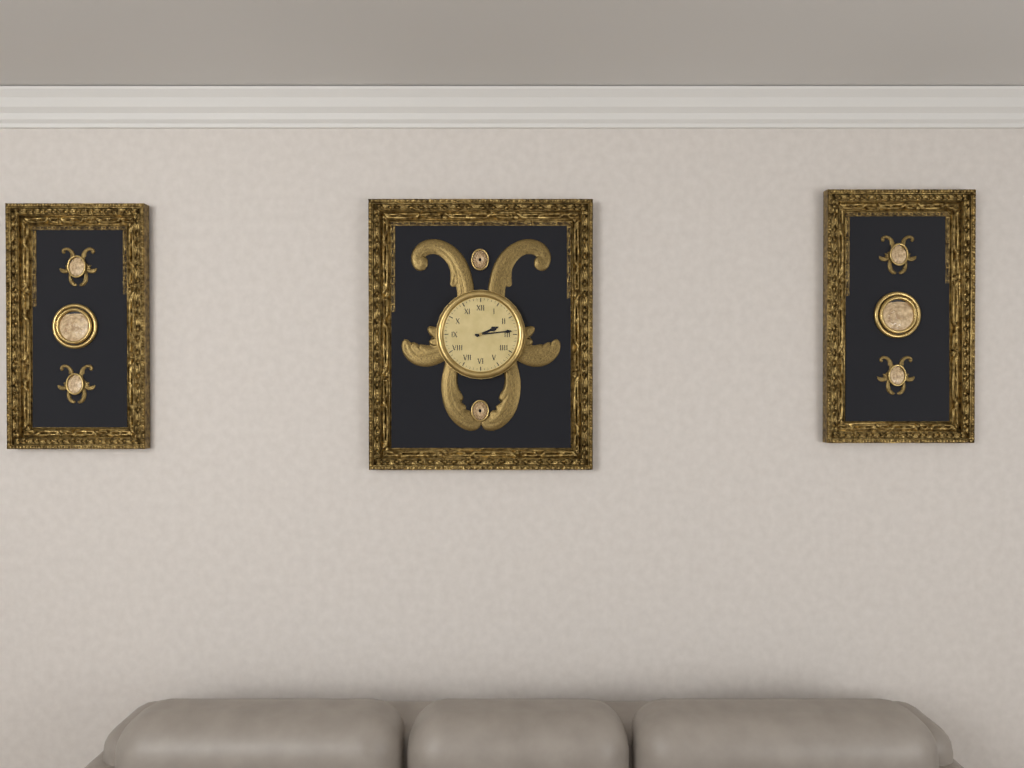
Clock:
2:14
